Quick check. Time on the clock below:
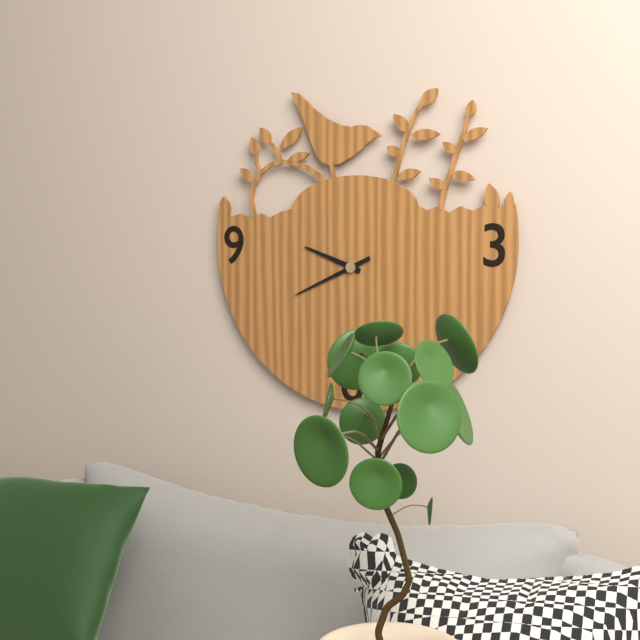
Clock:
9:41
